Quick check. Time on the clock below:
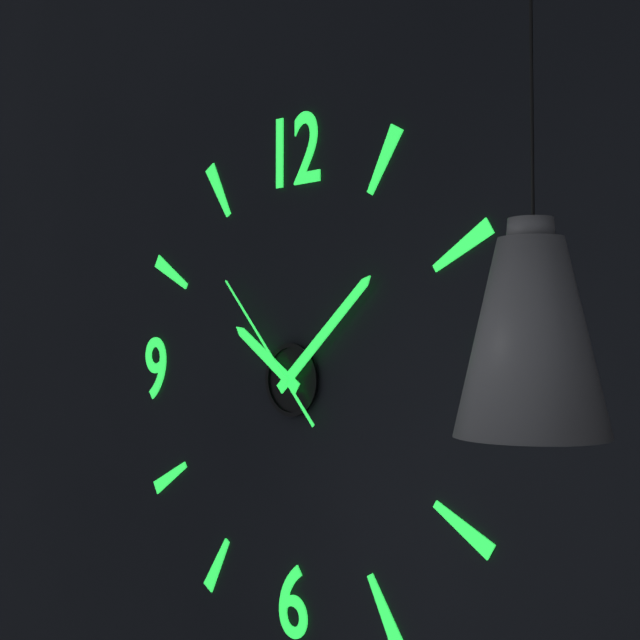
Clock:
10:08:53
